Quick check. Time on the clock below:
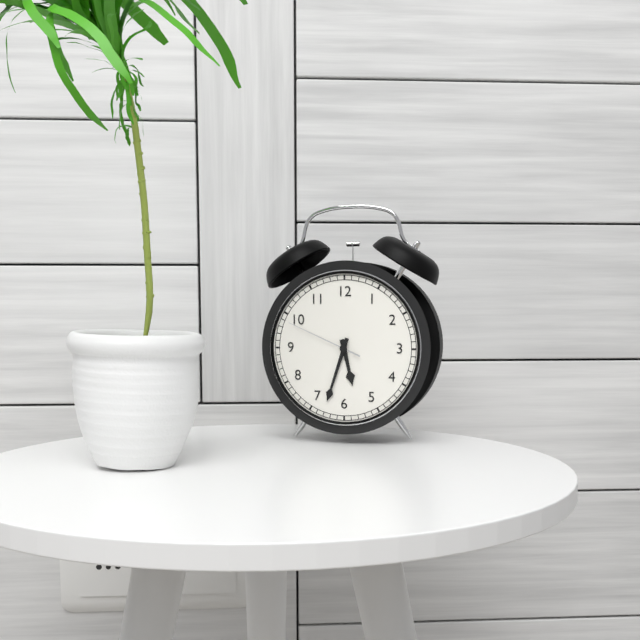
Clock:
5:33:49
